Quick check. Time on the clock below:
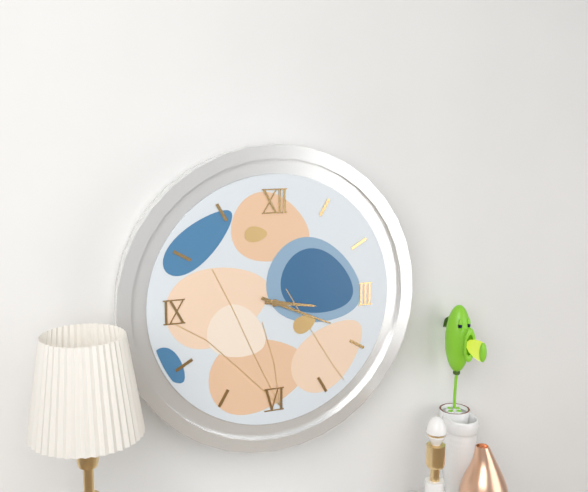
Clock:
3:19
